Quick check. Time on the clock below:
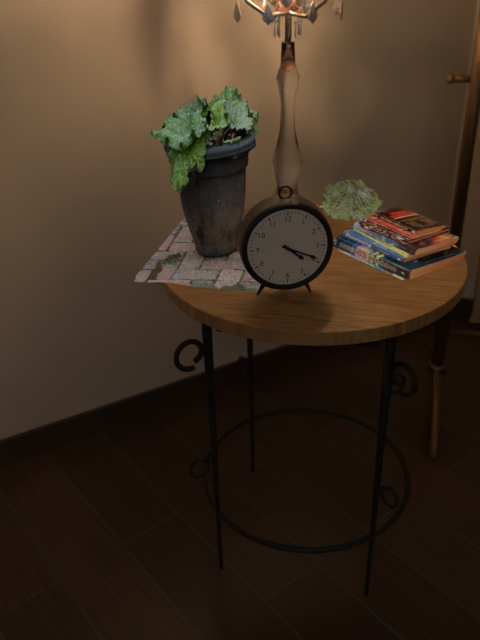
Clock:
4:19
